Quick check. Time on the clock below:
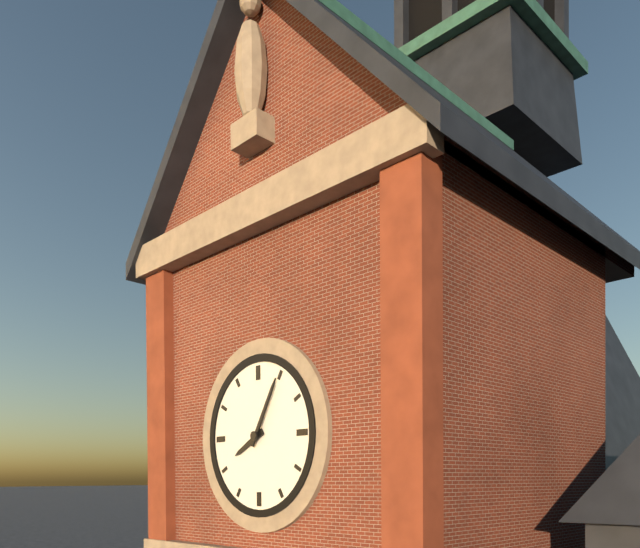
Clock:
8:05
